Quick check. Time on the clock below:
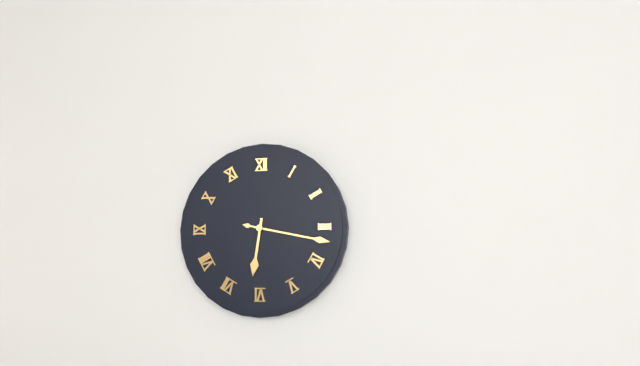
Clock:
6:17
